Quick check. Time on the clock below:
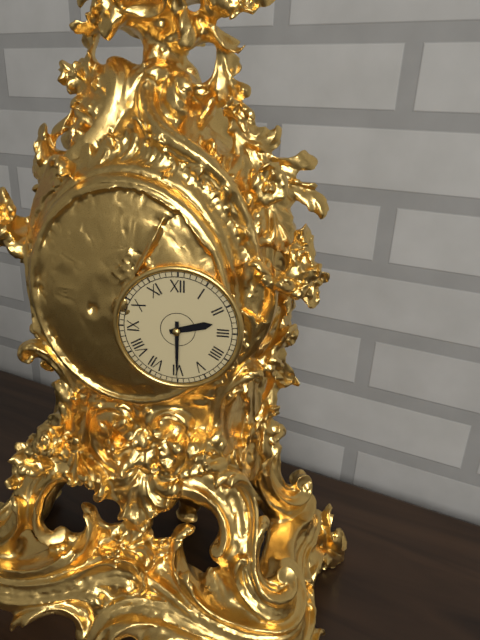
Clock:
2:30
